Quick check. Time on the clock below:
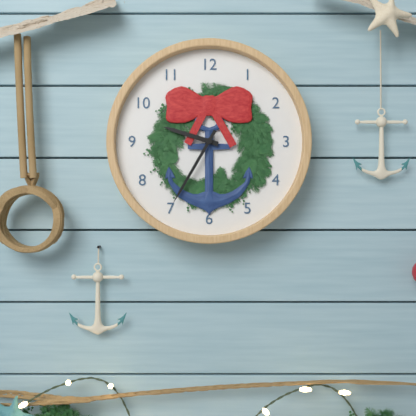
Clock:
9:35
